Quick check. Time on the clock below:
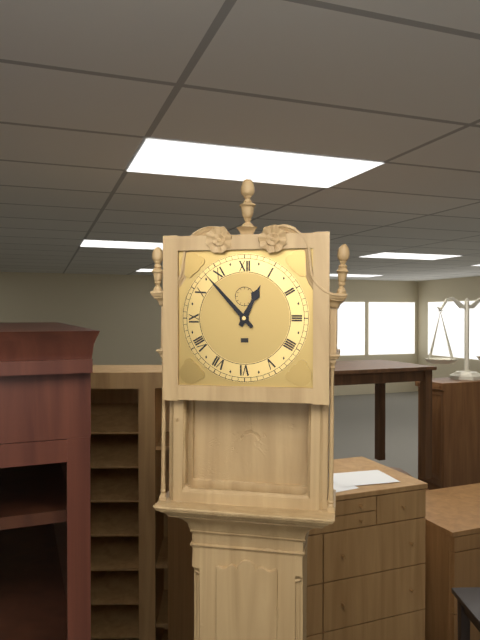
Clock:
12:53
